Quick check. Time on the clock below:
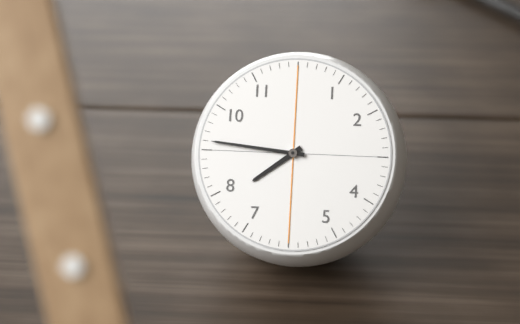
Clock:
7:46
